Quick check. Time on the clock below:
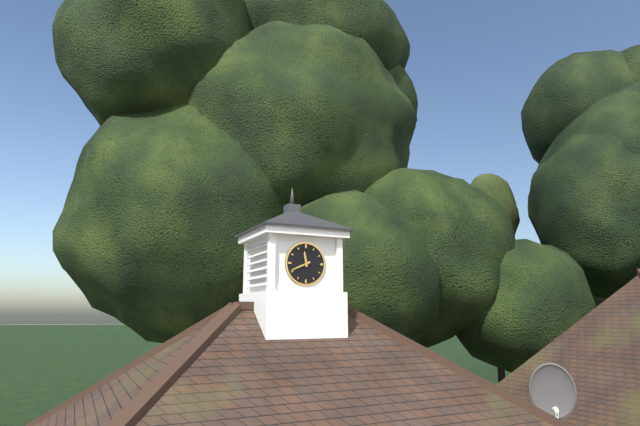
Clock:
11:41
